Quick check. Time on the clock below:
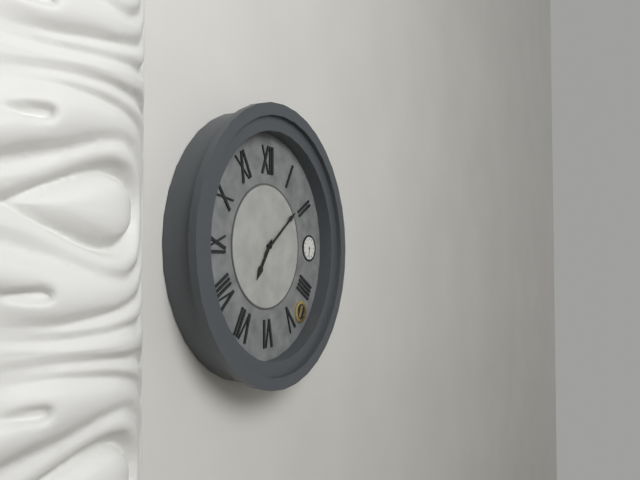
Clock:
7:09
